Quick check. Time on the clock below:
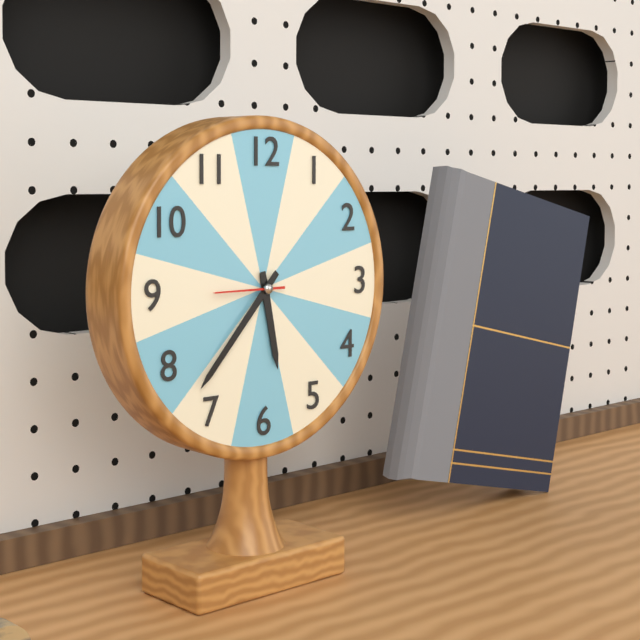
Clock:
5:37:45
